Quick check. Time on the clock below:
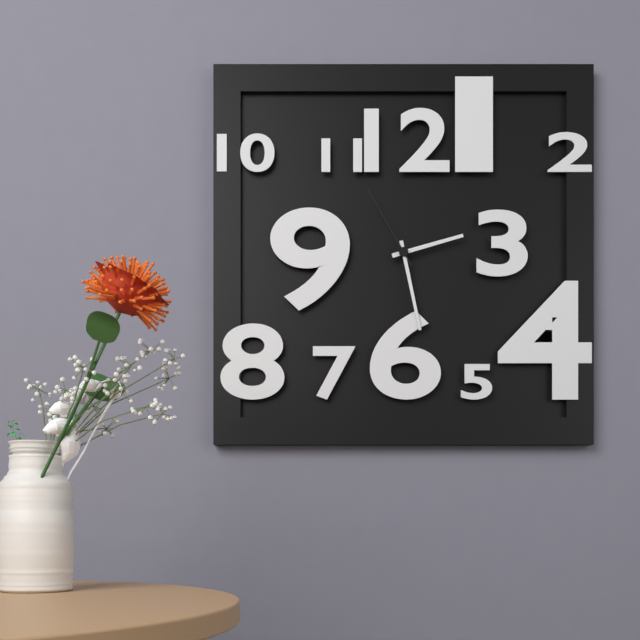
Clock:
2:28:55
